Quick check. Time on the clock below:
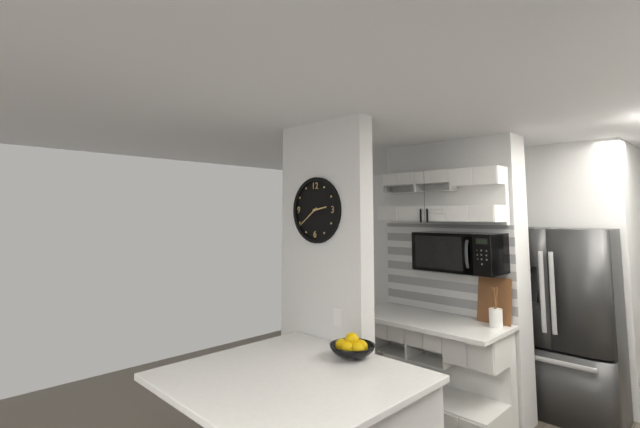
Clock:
2:39
